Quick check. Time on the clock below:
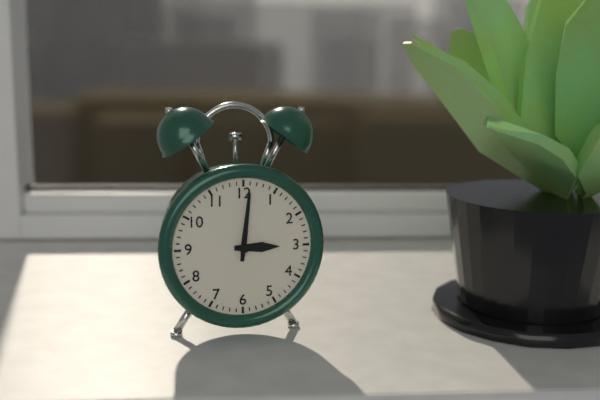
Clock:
3:01
